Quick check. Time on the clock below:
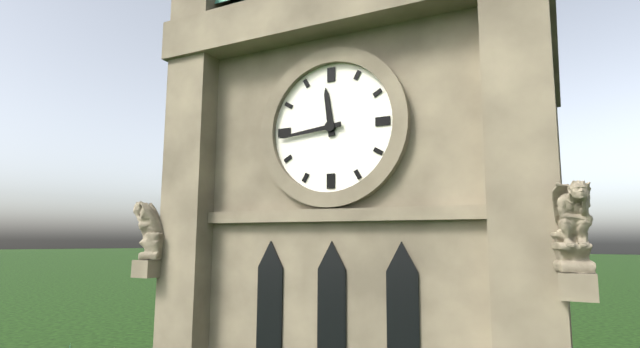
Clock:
11:44
